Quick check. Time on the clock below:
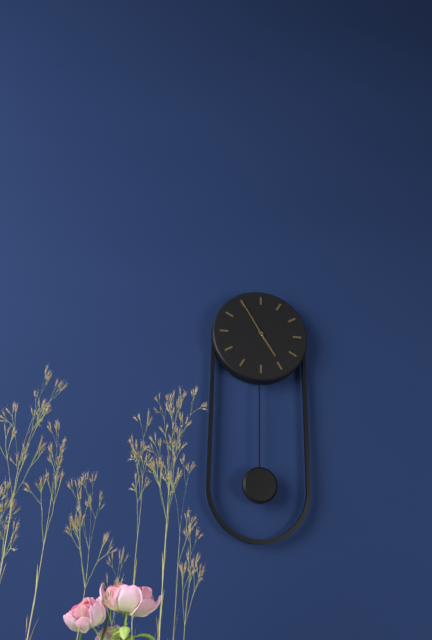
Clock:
4:55
